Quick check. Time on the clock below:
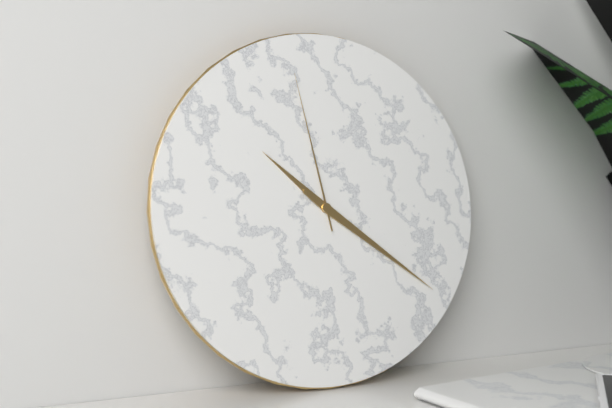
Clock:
10:21:58
